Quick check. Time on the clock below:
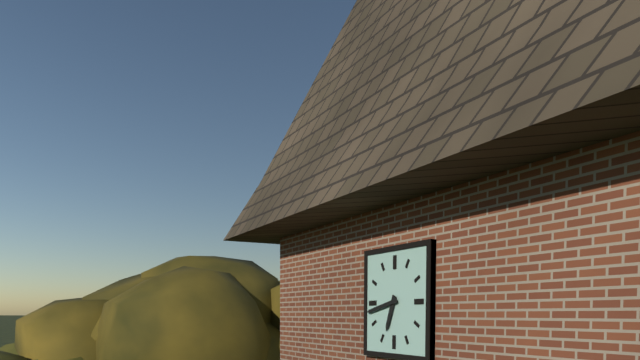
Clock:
6:43
